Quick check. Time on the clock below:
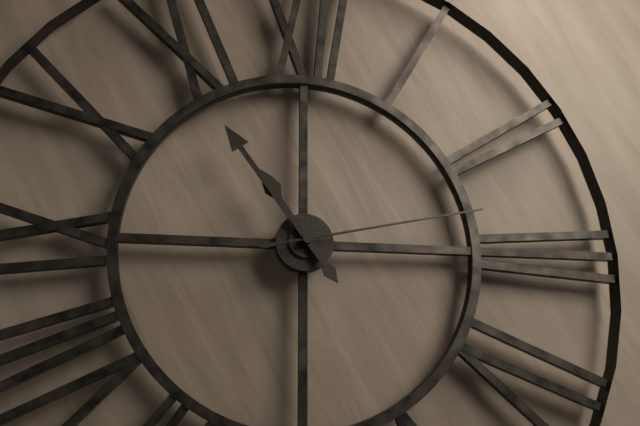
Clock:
10:54:13
